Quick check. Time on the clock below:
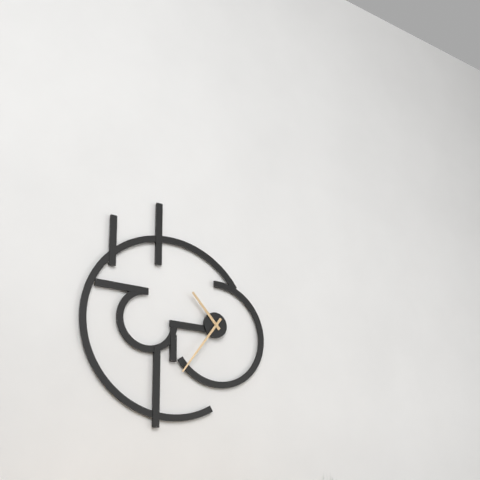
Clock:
10:36
